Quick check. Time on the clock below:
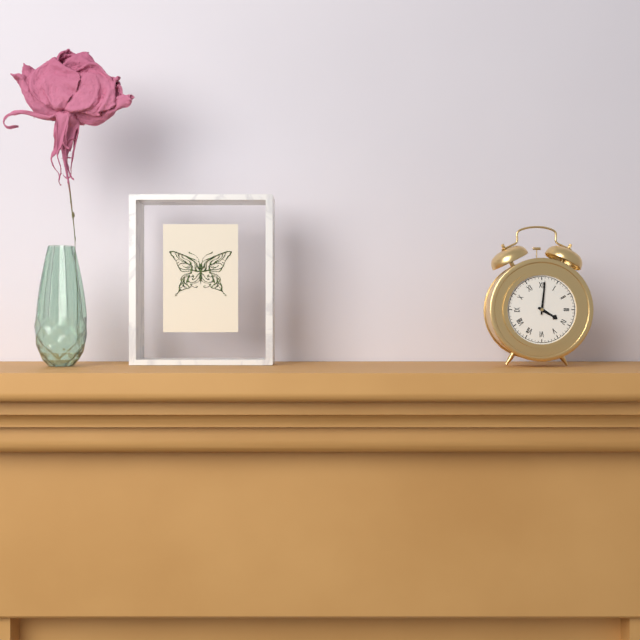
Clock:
4:01
